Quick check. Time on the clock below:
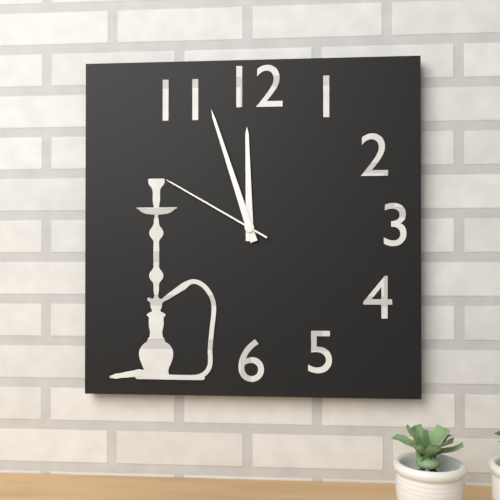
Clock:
11:57:50
